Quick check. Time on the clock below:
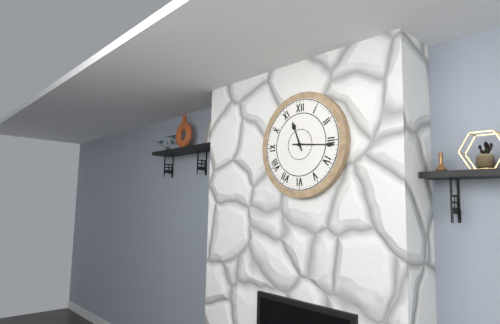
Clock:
11:16
